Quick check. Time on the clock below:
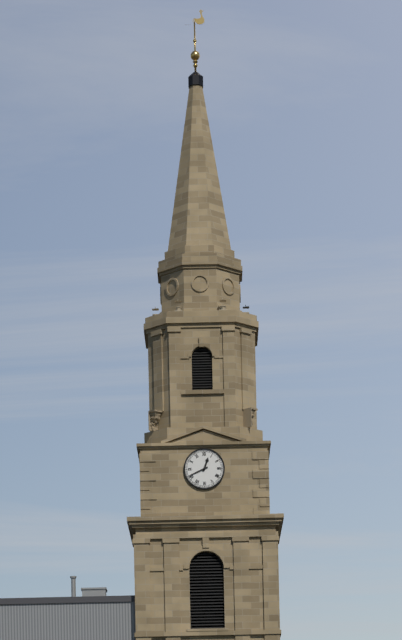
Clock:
12:41
